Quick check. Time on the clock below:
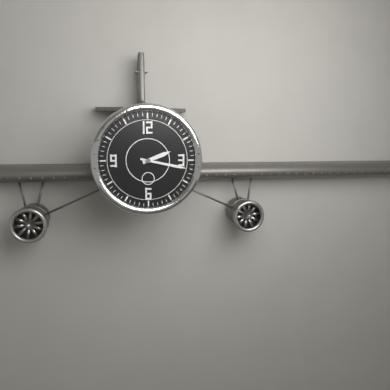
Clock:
2:17
